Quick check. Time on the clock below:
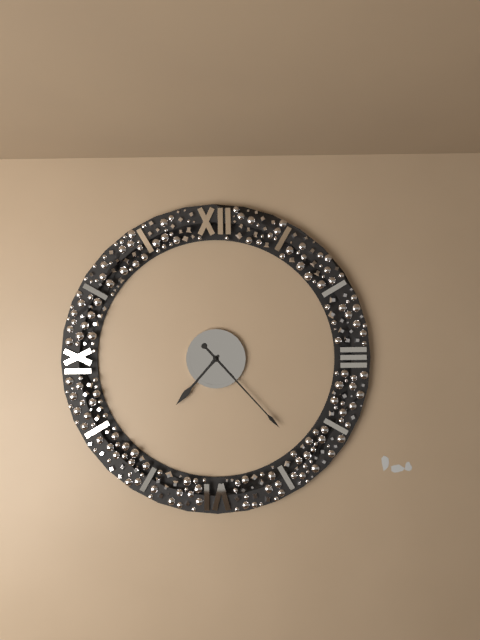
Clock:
7:23
